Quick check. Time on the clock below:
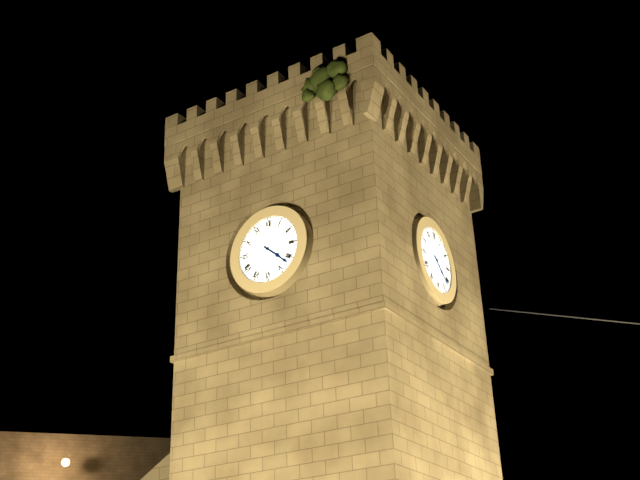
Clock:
4:22
